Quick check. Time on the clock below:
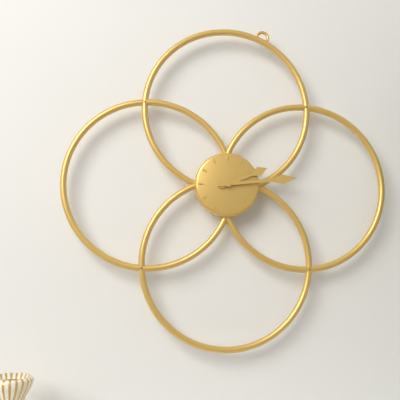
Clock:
2:14
